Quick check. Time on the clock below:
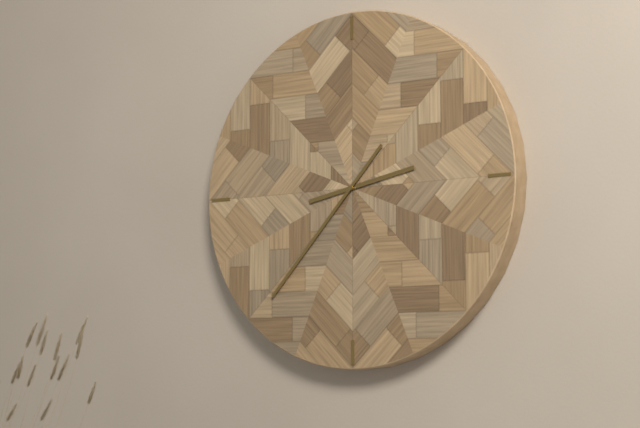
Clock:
2:37
